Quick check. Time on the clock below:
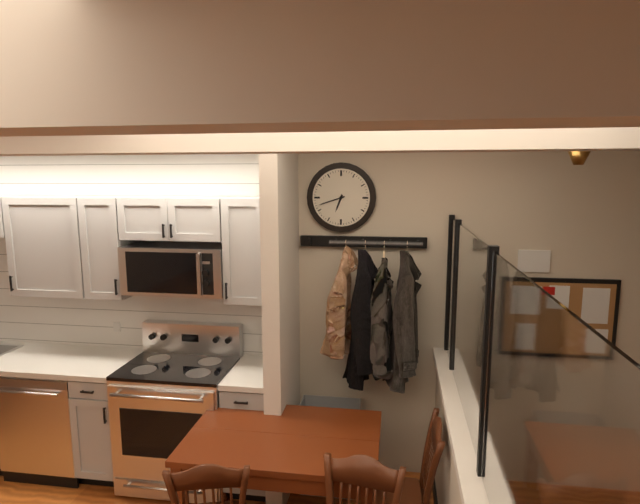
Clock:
6:42
